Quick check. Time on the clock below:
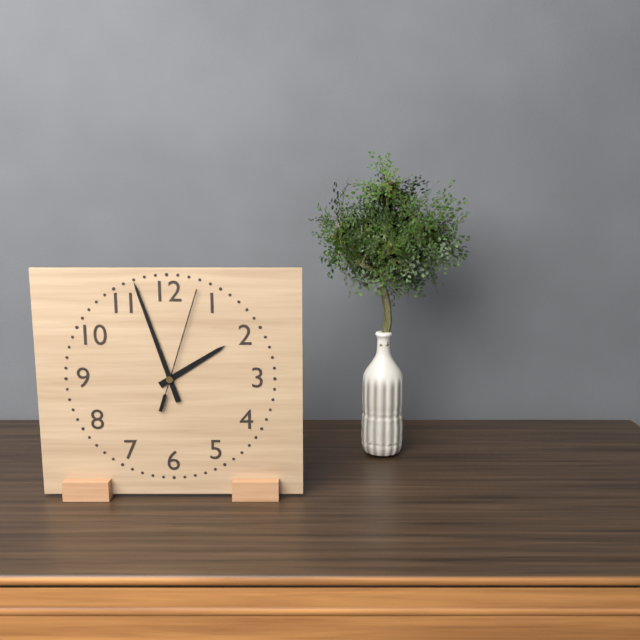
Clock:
1:57:03
